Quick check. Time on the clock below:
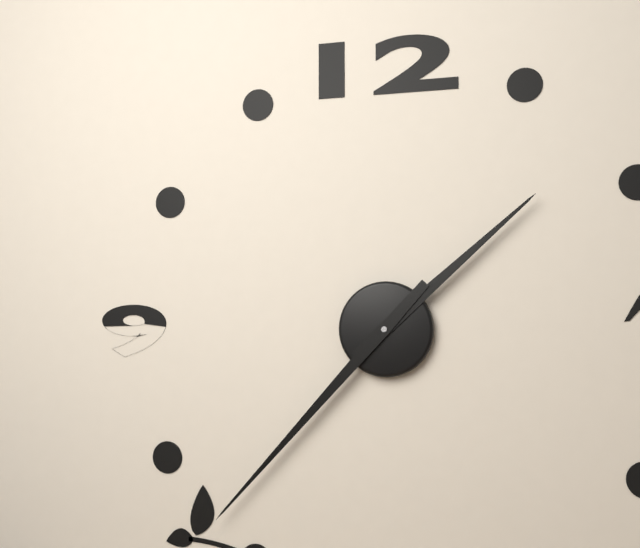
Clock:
1:37
